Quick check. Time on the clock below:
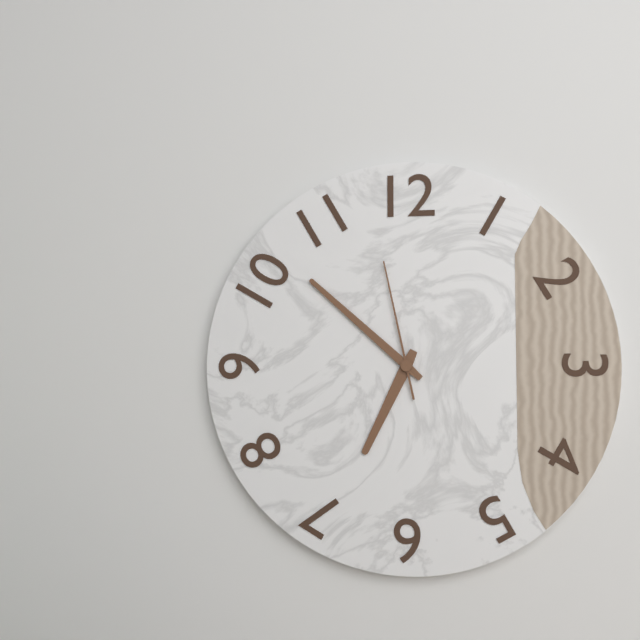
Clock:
6:52:58
